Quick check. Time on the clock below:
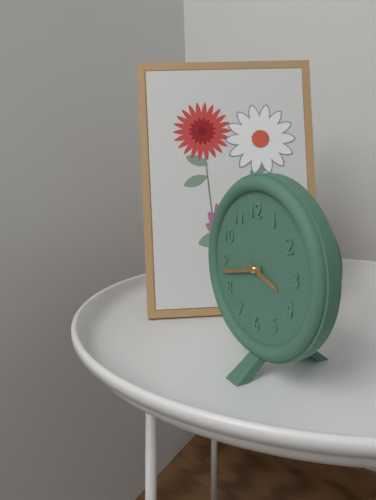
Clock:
3:43
